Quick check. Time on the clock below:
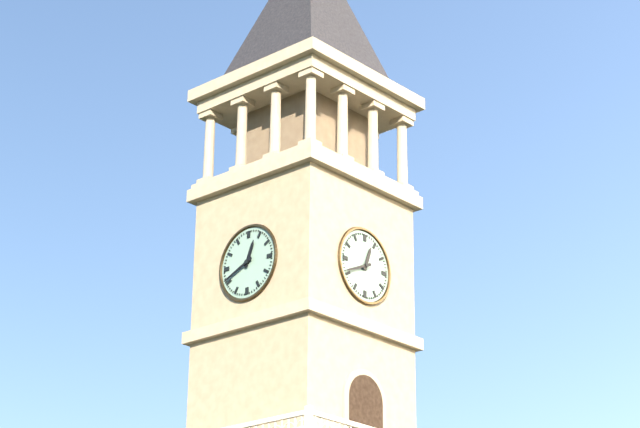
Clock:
12:41
